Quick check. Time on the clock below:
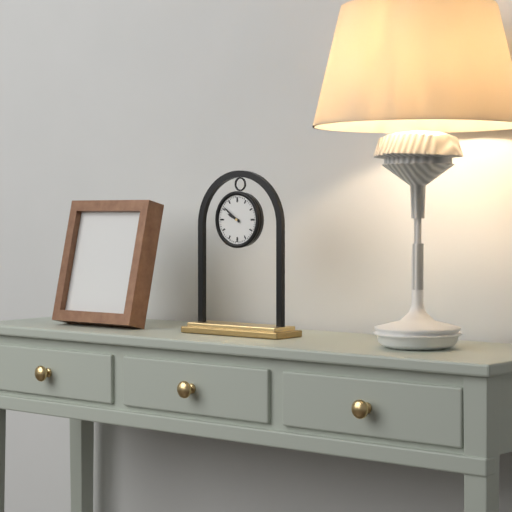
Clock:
9:51
